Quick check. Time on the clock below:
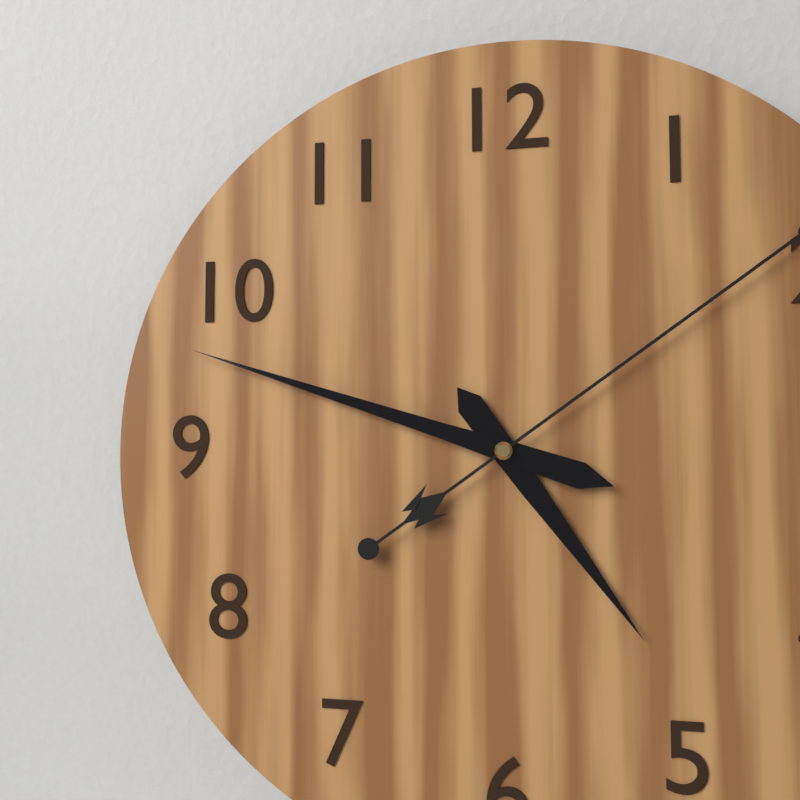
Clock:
4:48
